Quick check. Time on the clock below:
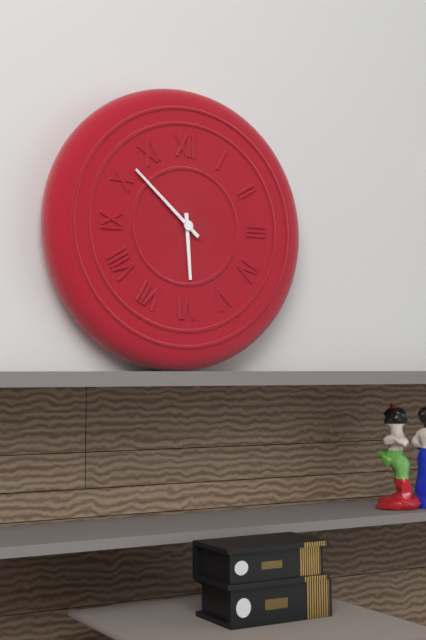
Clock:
5:52
